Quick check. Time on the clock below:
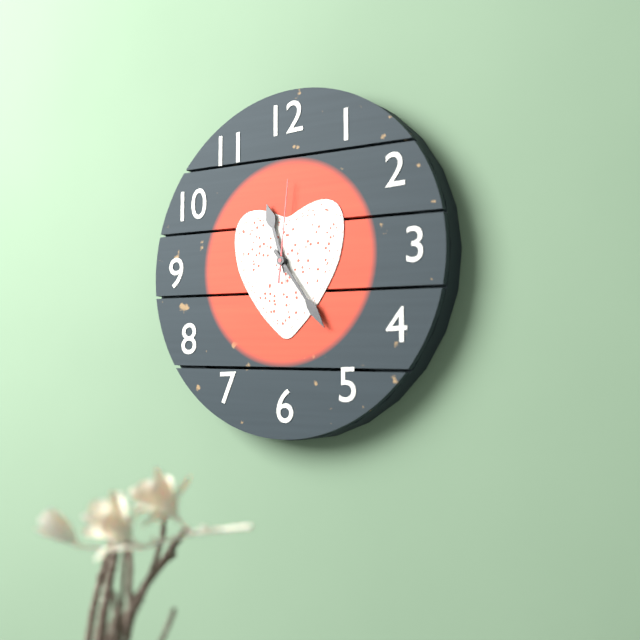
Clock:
11:24:01
